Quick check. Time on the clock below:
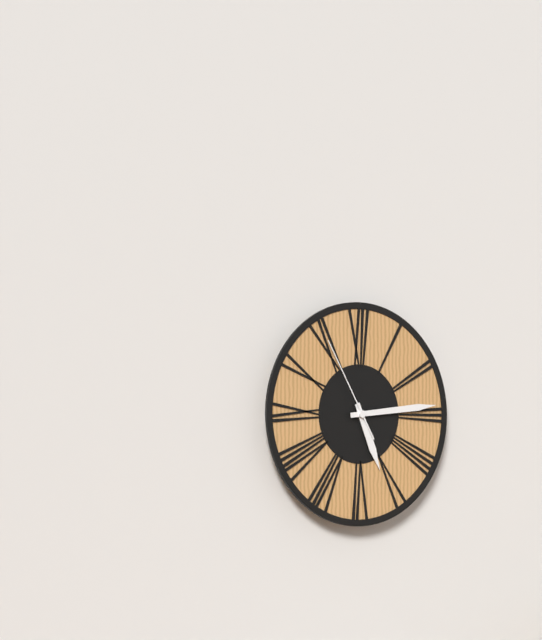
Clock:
5:14:55
